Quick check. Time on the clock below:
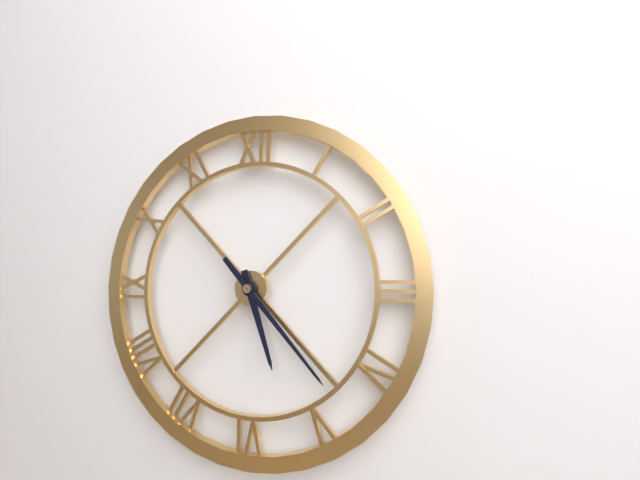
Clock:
5:23
